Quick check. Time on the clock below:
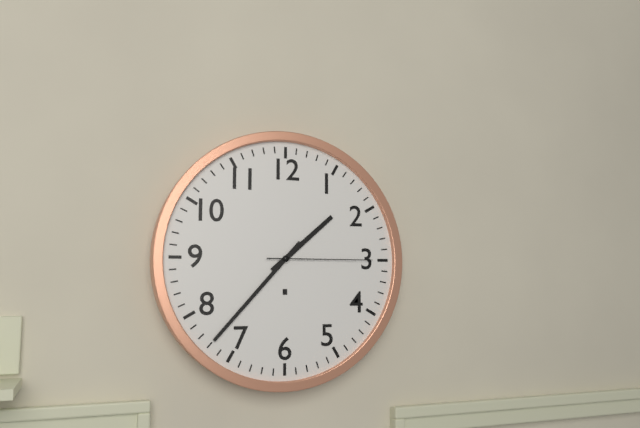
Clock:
1:37:15
